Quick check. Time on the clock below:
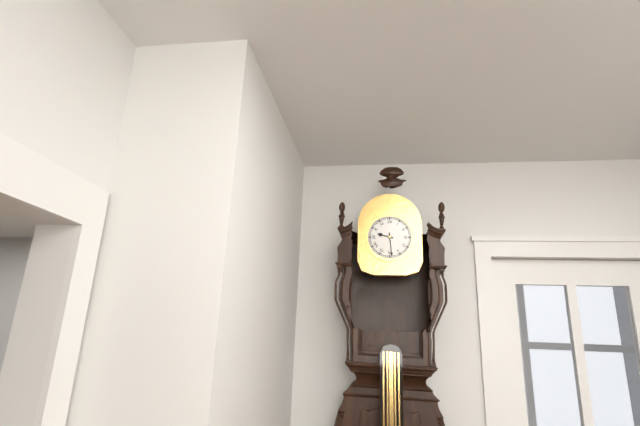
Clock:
9:29
